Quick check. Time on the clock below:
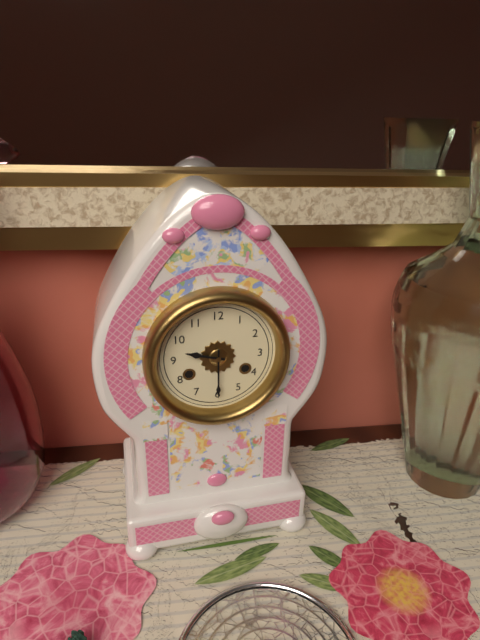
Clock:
9:30
